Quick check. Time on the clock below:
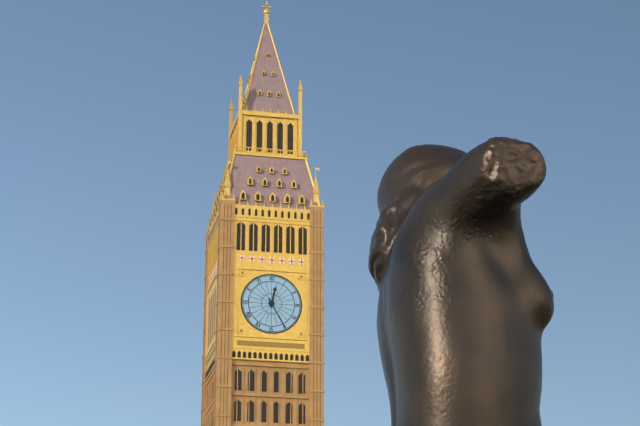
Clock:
12:25
